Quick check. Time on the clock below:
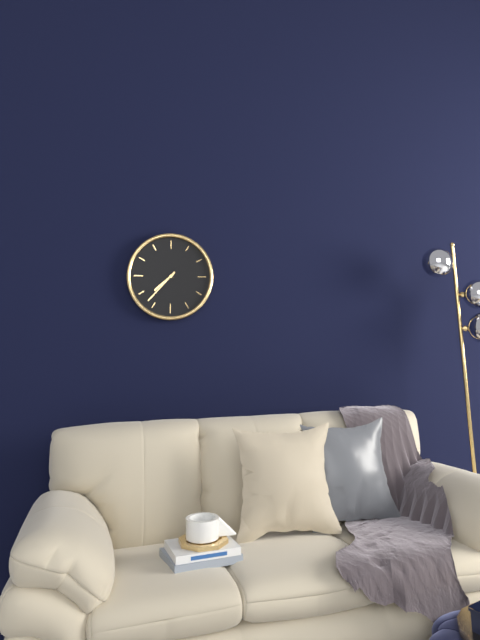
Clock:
7:37
